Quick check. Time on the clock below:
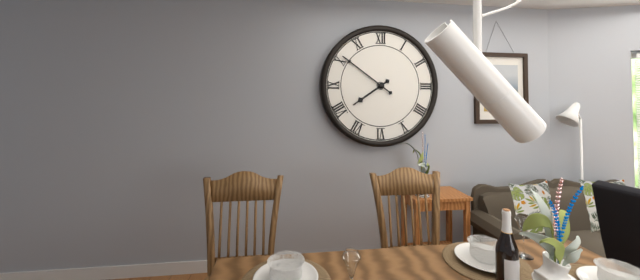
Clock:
7:51
